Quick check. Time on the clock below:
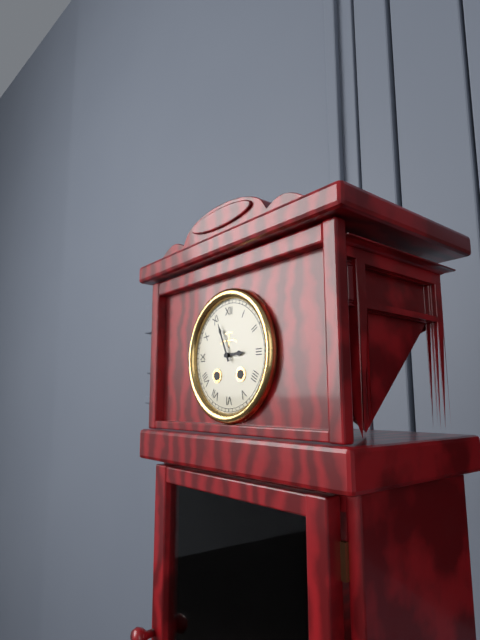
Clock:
2:56
